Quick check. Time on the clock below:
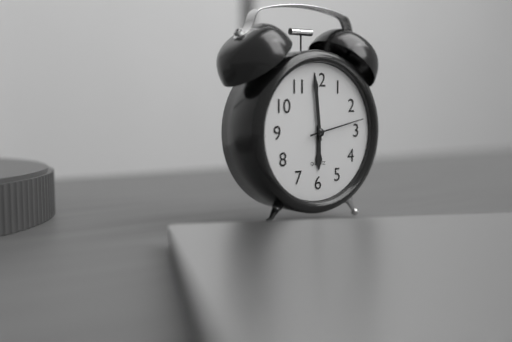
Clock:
5:59:13
